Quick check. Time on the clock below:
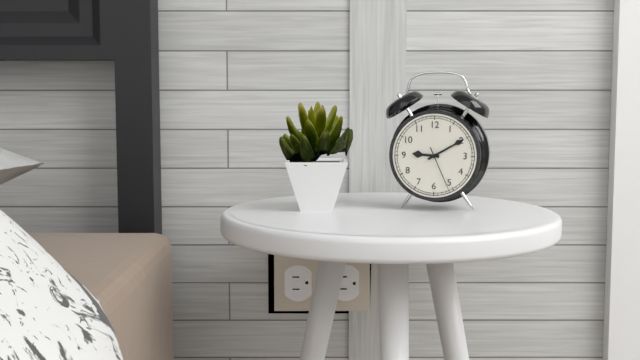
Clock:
9:10
